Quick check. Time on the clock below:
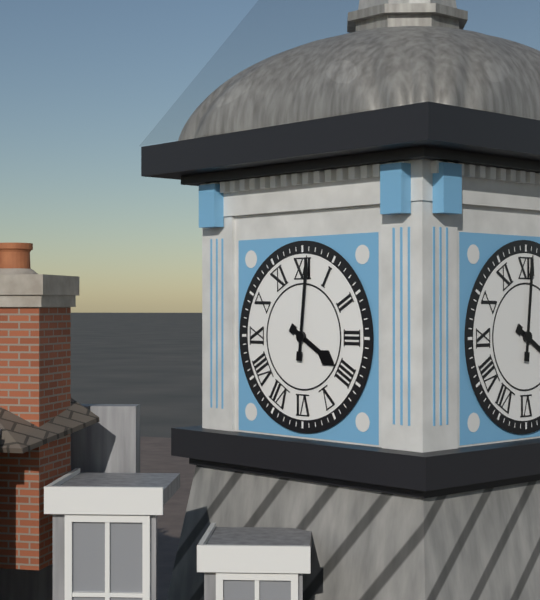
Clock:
4:01
